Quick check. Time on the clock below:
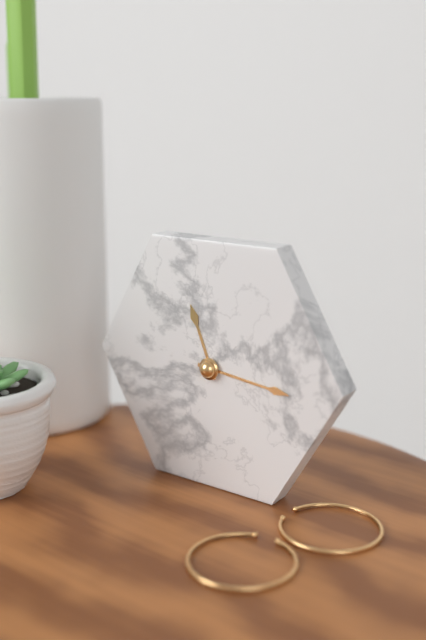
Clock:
11:16
